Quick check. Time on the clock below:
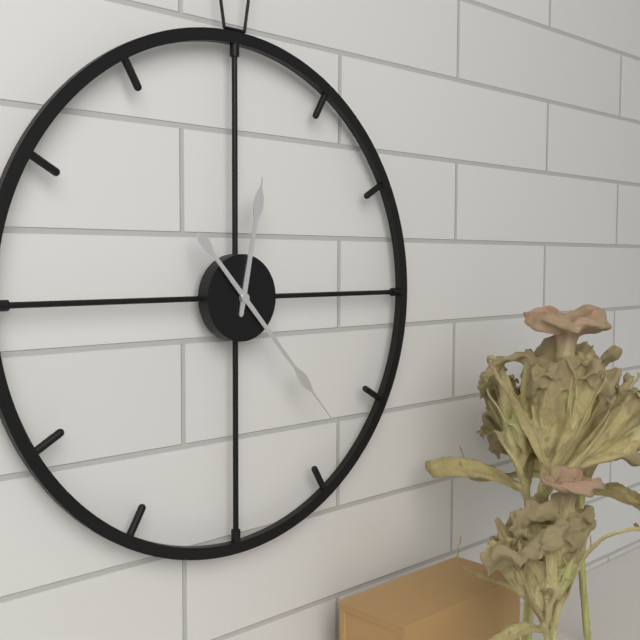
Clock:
12:23
